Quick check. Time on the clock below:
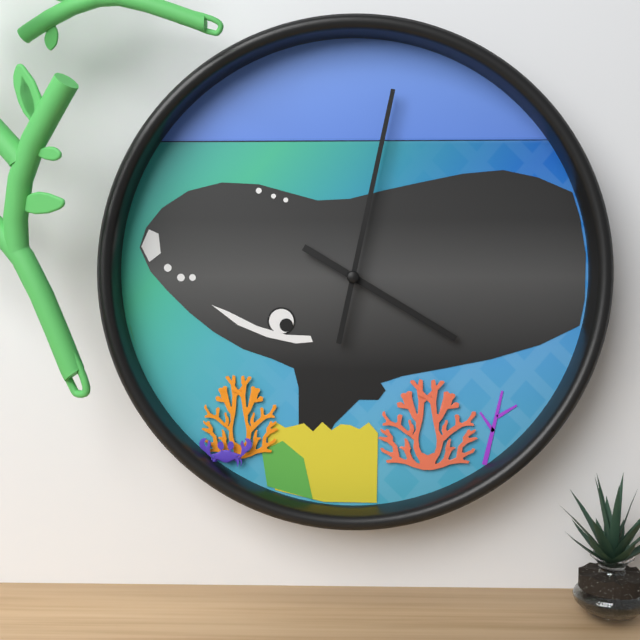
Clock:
4:02
